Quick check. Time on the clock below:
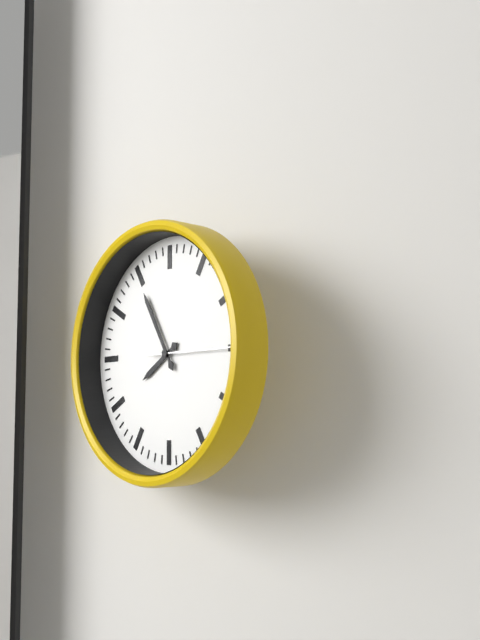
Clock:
7:55:15
